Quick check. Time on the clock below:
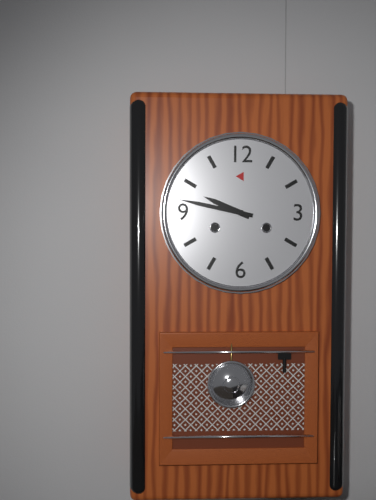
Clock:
9:47
